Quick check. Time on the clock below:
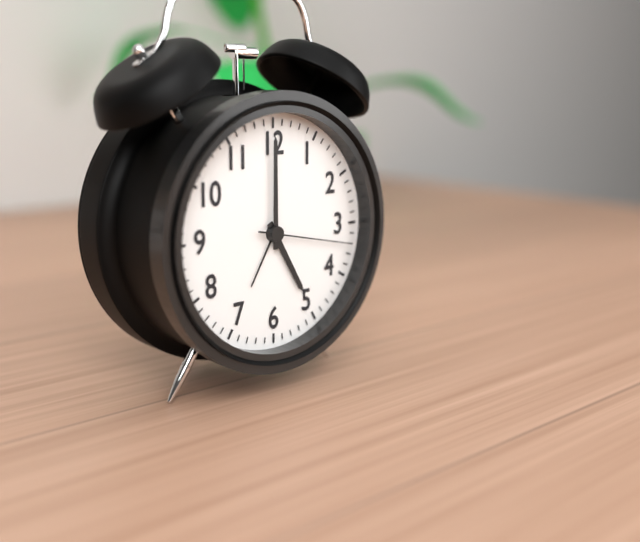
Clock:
5:00:17
